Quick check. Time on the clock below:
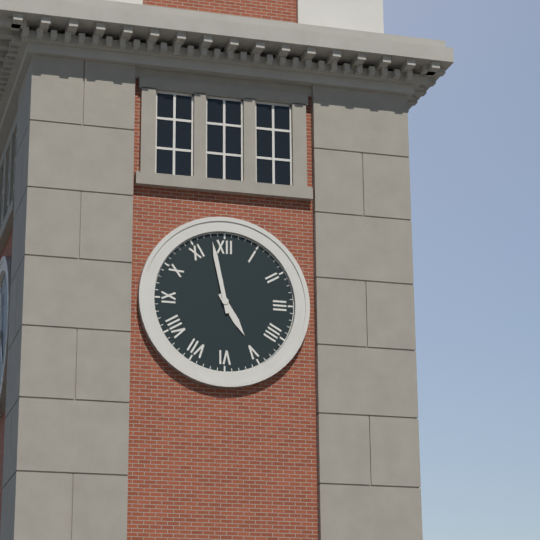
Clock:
4:58
